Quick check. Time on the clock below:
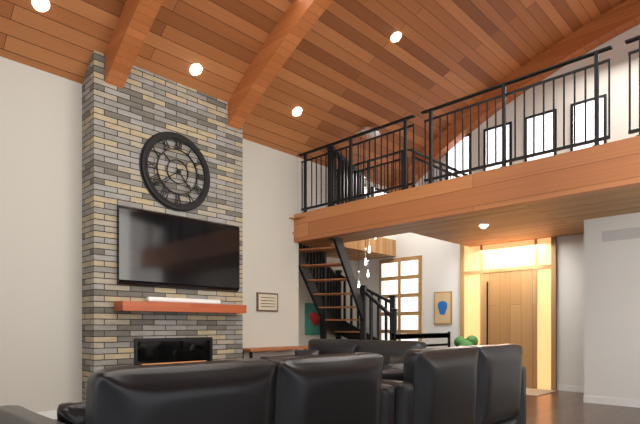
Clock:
4:39
